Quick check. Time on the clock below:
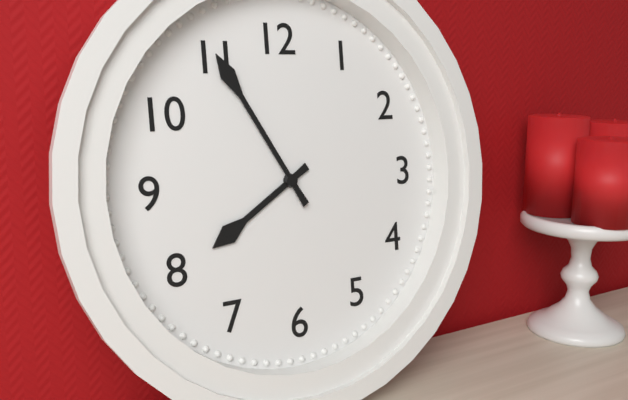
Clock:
7:55
